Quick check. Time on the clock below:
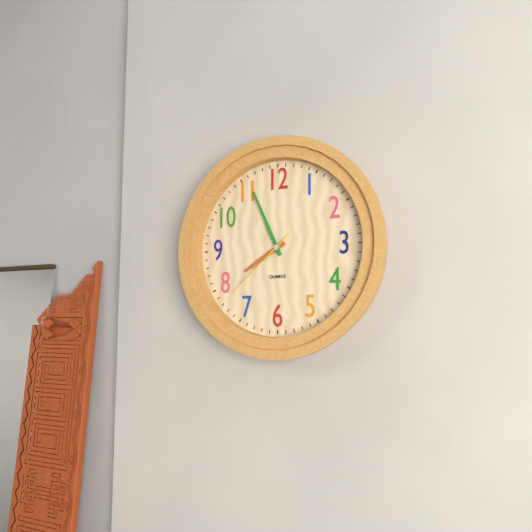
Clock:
7:56:38
